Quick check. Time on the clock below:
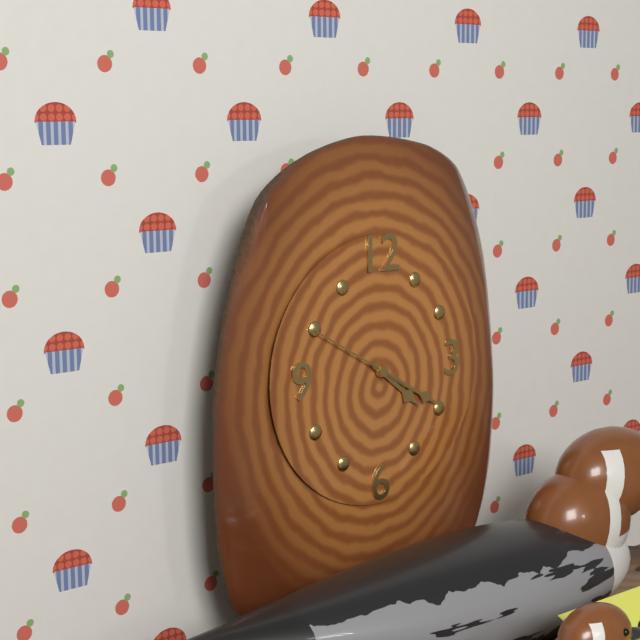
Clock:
4:20:50
